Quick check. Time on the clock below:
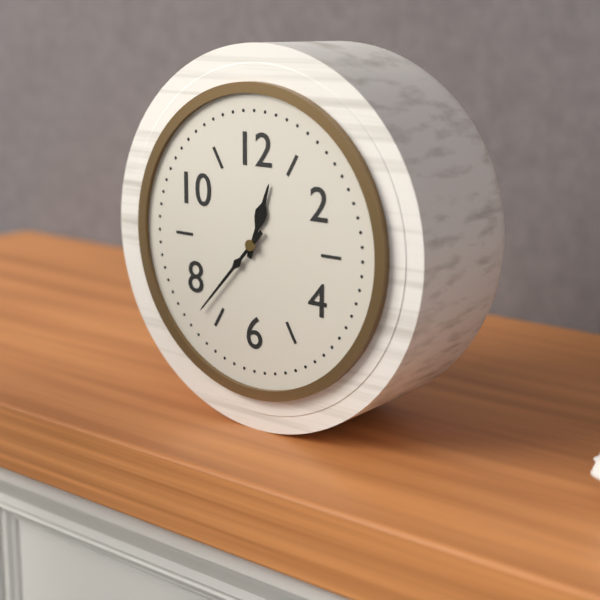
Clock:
12:37
